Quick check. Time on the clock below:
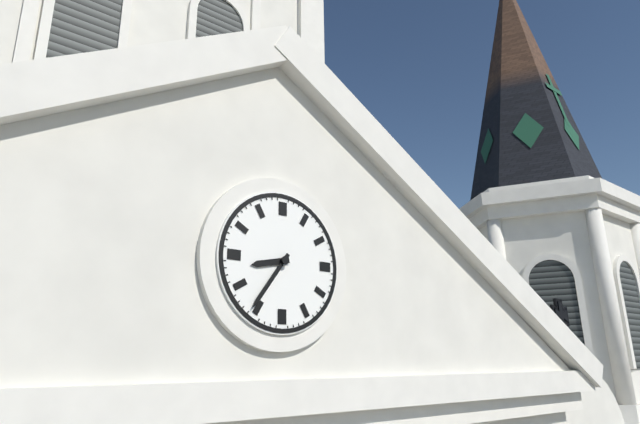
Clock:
8:36
